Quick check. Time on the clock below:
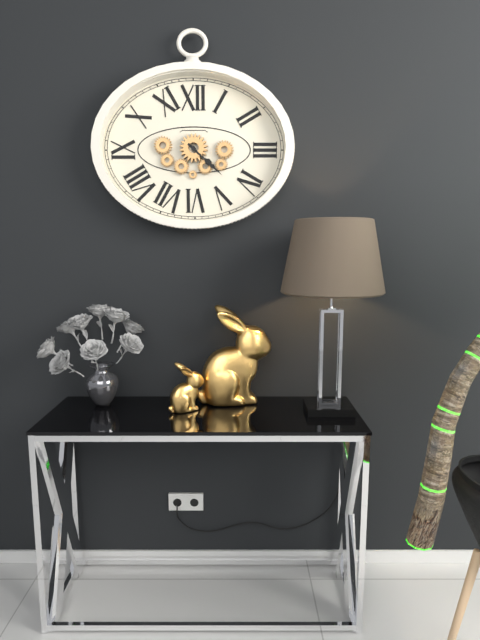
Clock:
4:22
